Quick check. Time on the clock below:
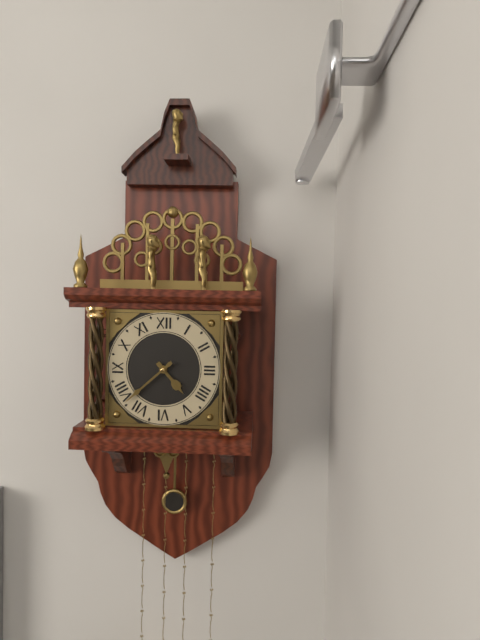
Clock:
4:38
